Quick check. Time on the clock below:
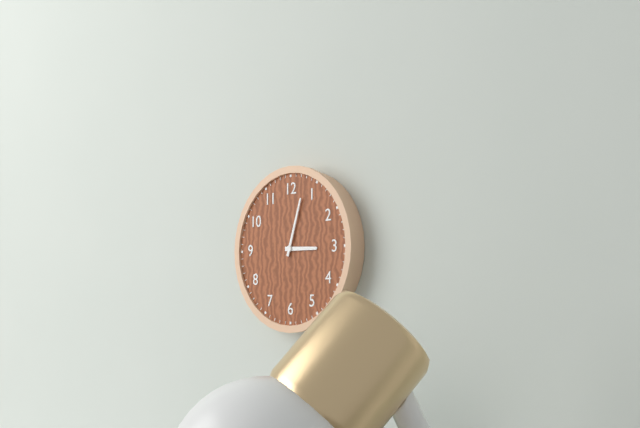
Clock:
3:03
